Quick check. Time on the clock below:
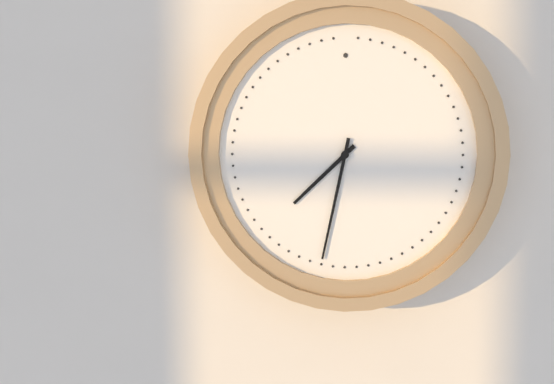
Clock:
7:32
